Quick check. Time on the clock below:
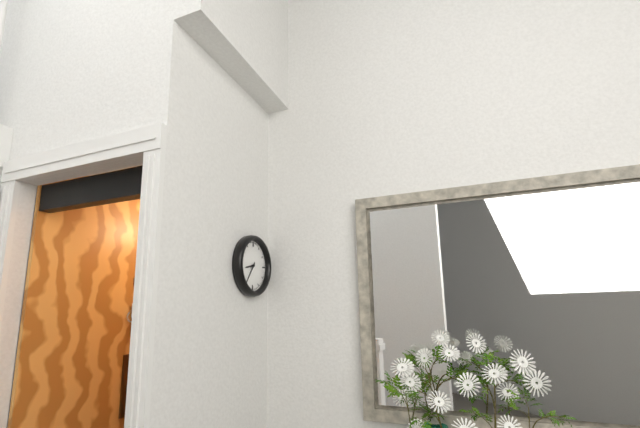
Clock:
8:36
